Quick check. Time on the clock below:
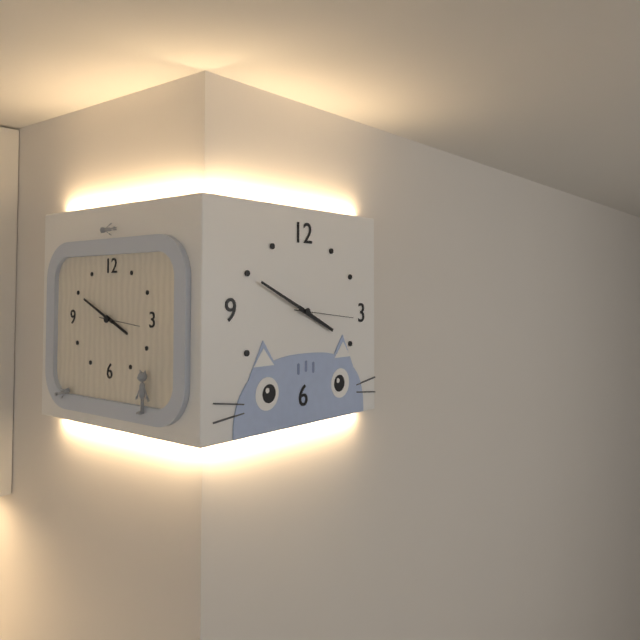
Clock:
3:49:16
